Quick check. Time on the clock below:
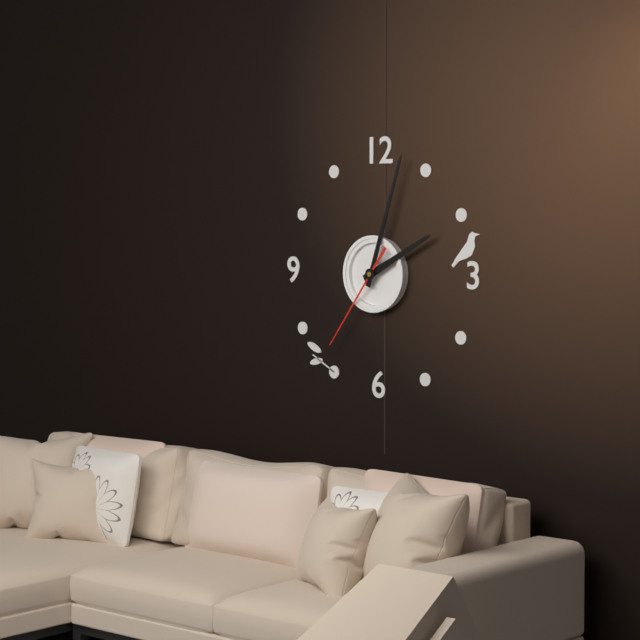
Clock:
2:03:36
